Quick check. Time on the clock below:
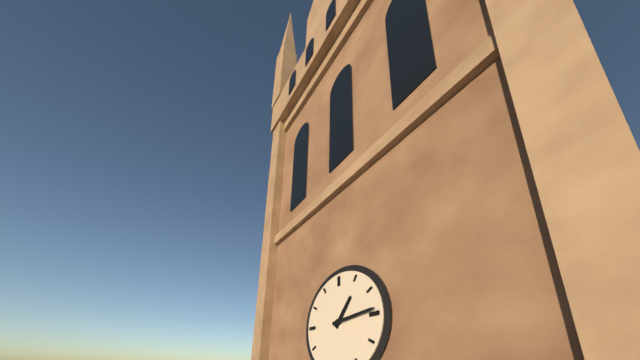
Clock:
1:14
